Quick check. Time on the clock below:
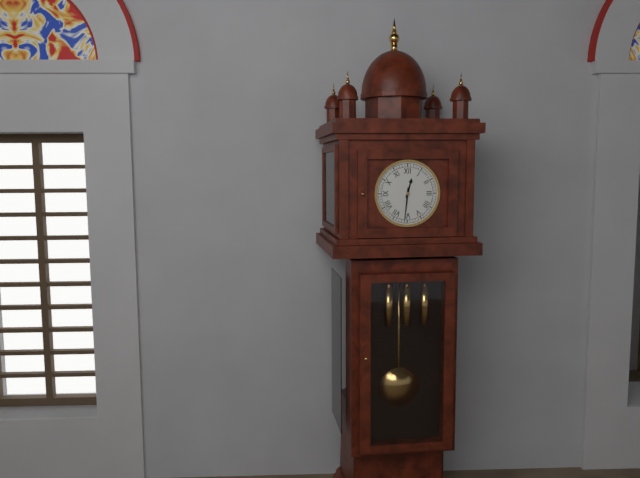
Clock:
12:31
